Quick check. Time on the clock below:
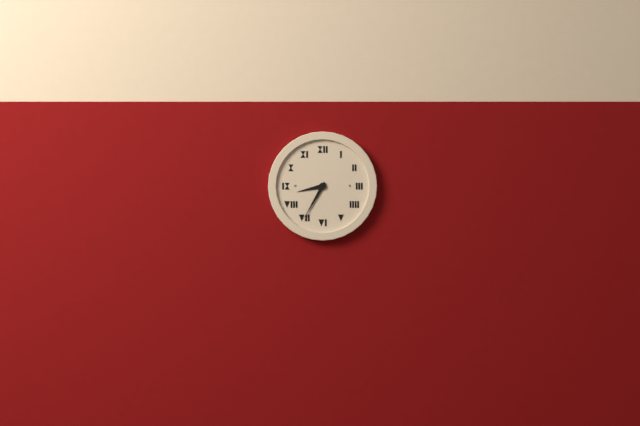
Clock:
8:35
